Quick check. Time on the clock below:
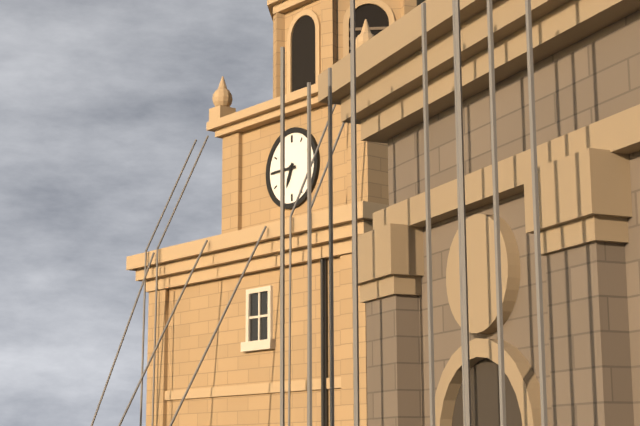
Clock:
6:45
